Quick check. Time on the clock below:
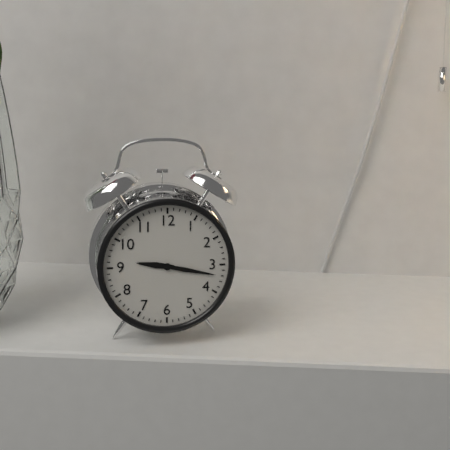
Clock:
9:17
